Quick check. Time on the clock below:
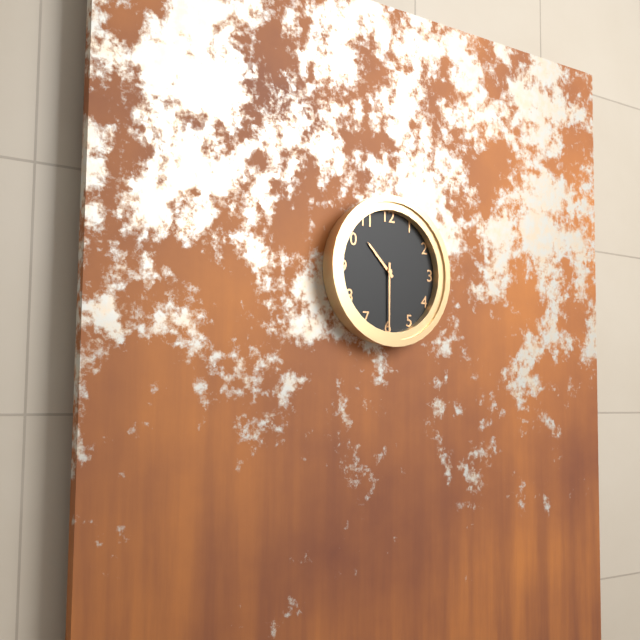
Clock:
10:30
